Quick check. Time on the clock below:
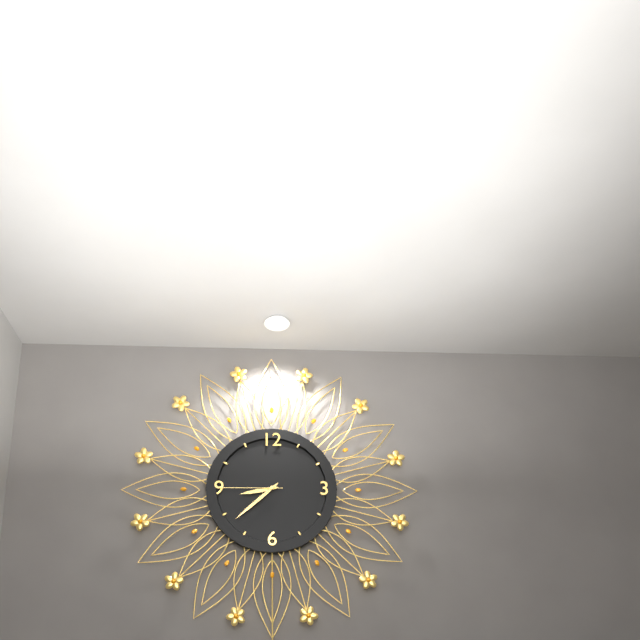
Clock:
8:38:45
